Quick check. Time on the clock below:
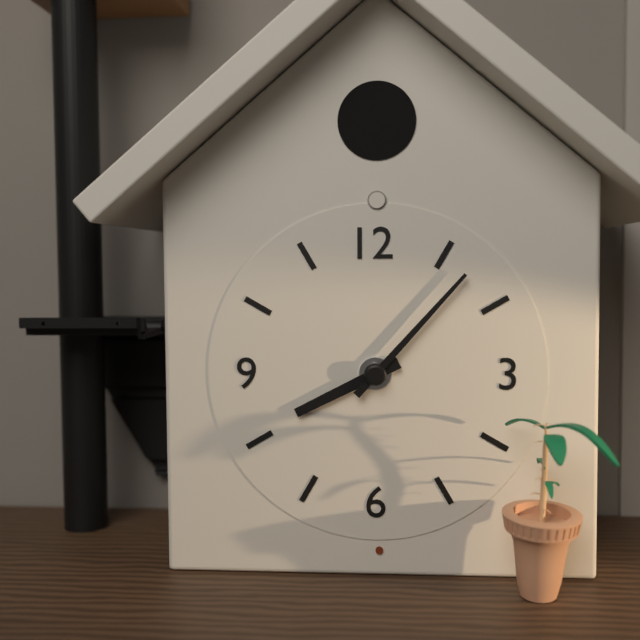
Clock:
8:07
